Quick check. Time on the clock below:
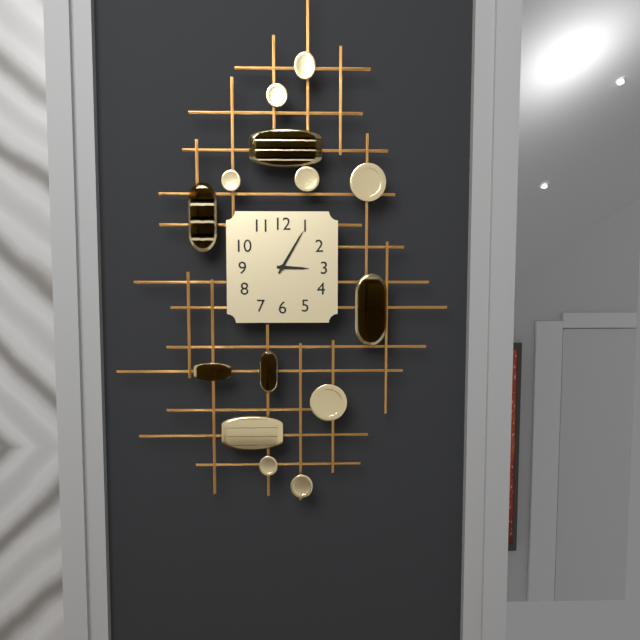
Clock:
3:05
